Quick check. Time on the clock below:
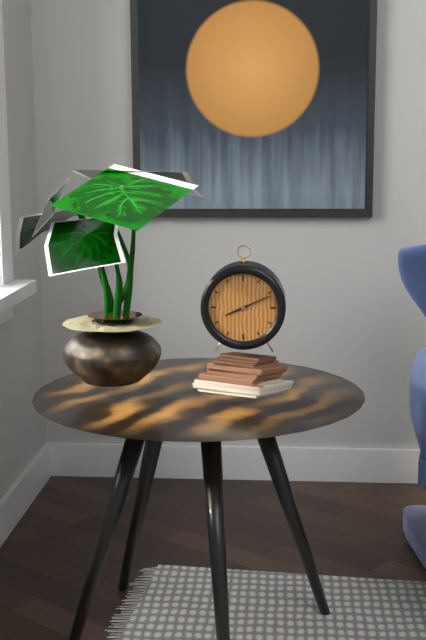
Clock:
8:11
